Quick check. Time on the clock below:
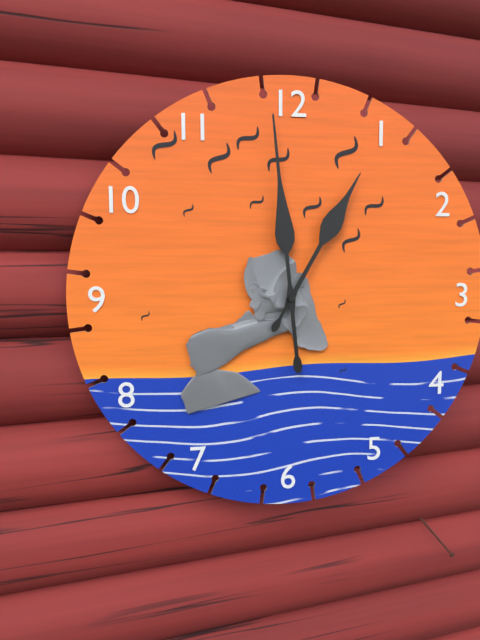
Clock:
12:59
